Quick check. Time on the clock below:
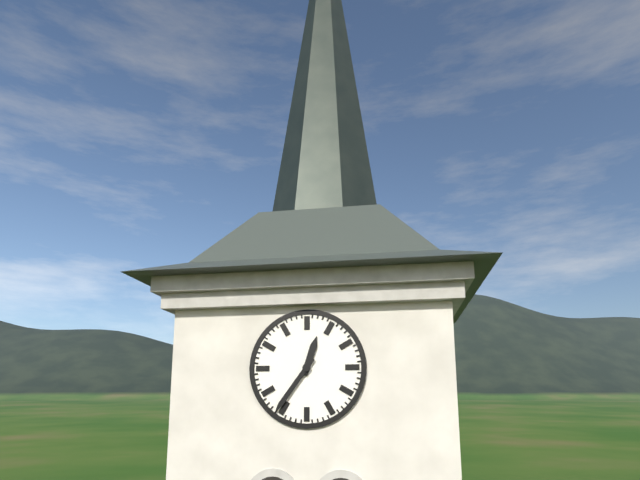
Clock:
12:36
